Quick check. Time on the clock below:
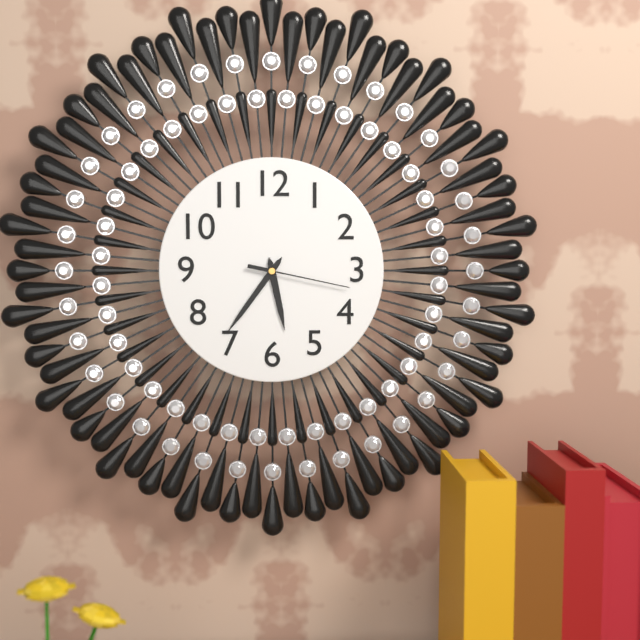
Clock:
5:36:17
